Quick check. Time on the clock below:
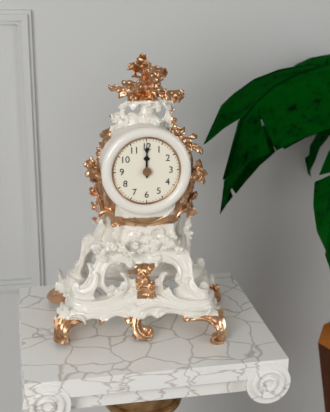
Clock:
12:00
